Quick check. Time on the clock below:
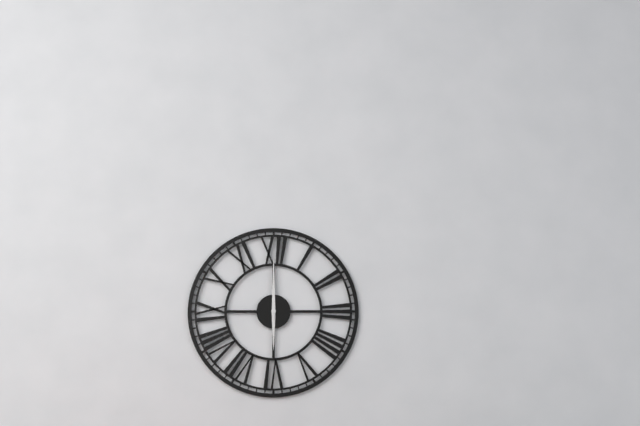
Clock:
6:00
